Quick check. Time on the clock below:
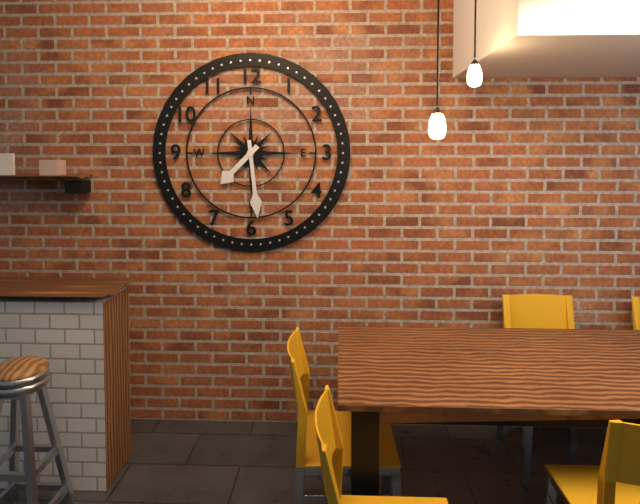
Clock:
7:29
